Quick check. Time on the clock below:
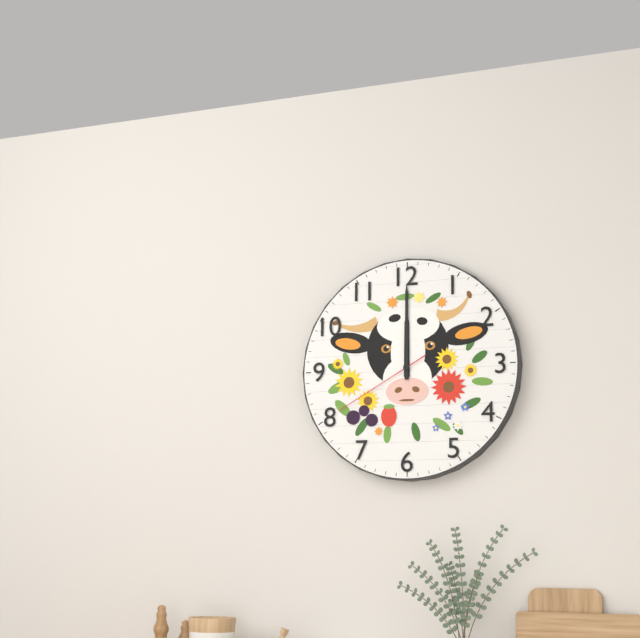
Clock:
12:00:40
